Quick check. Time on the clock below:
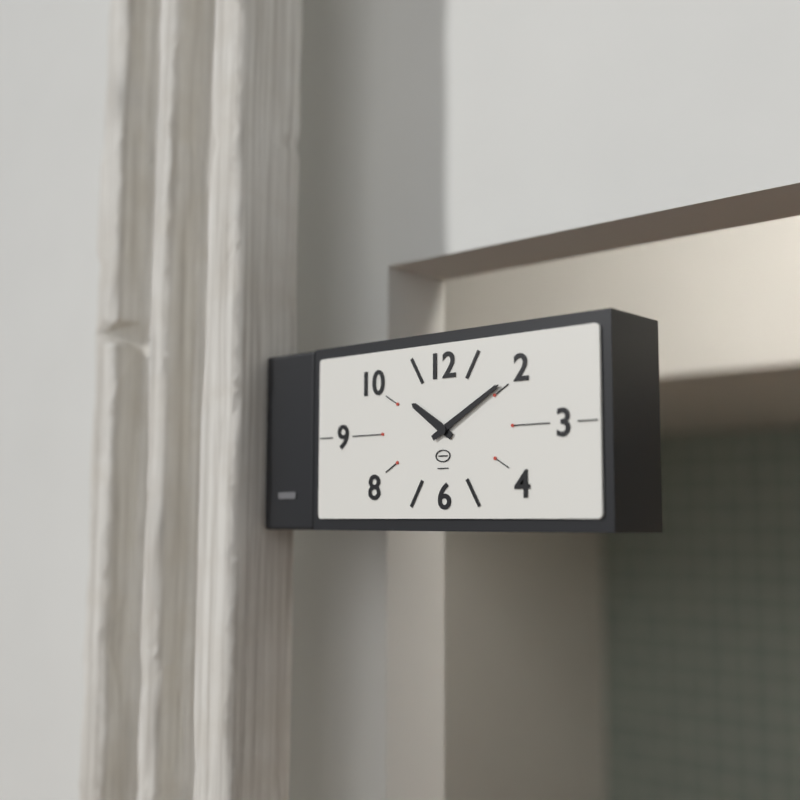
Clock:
10:10
